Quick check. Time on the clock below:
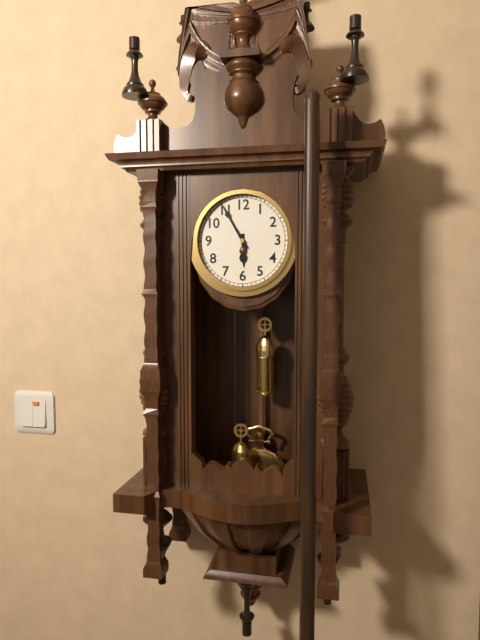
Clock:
5:55
